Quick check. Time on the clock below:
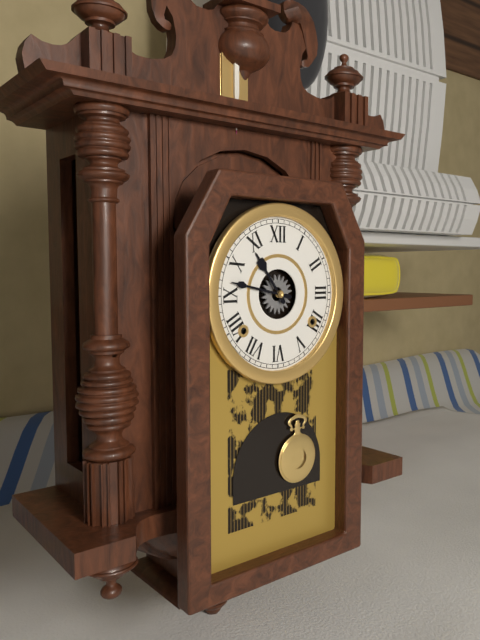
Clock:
10:47
